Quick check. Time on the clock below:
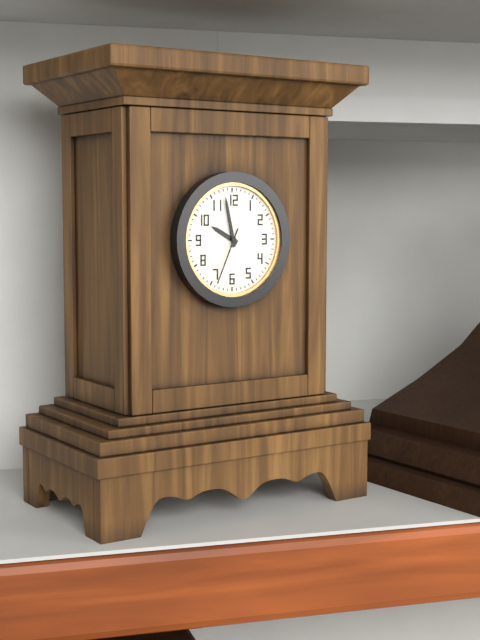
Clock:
9:58:34
